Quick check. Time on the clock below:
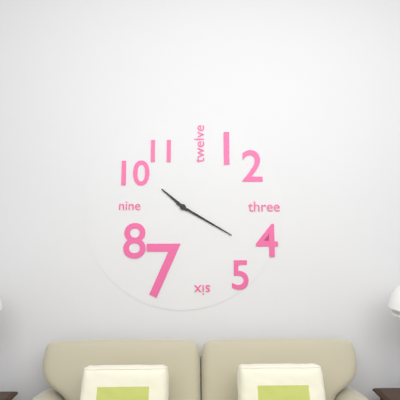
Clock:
10:20
